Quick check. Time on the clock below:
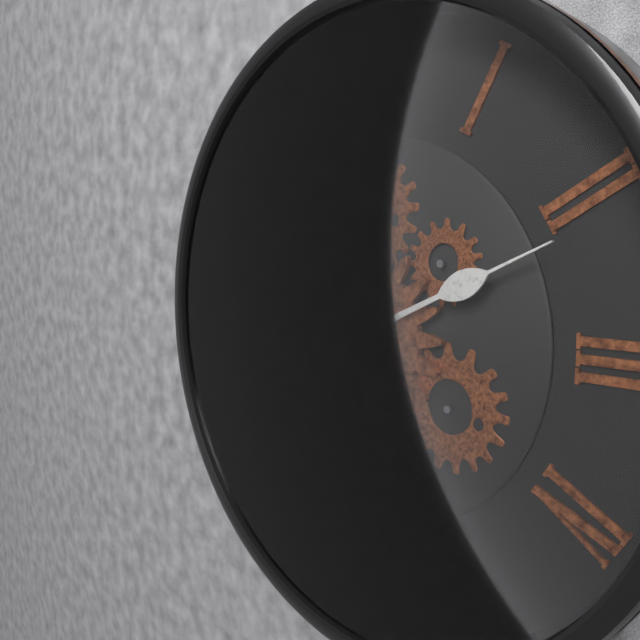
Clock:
6:11
